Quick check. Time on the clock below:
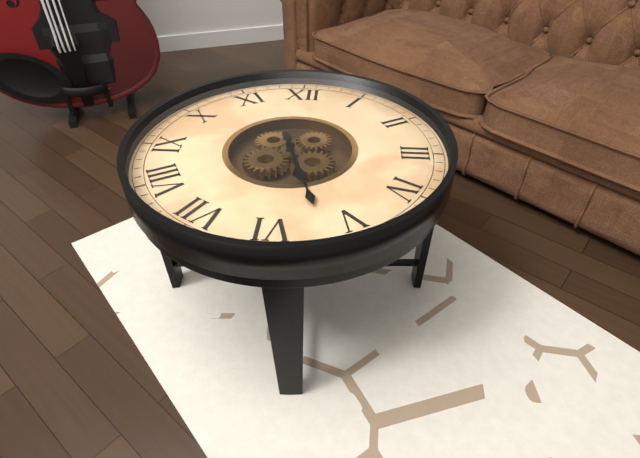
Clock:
5:27
